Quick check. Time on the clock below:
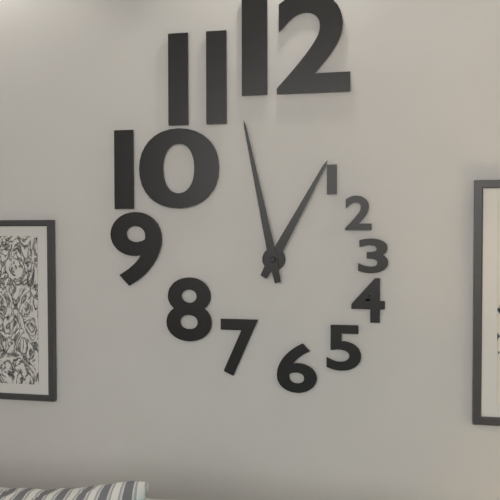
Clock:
12:58
